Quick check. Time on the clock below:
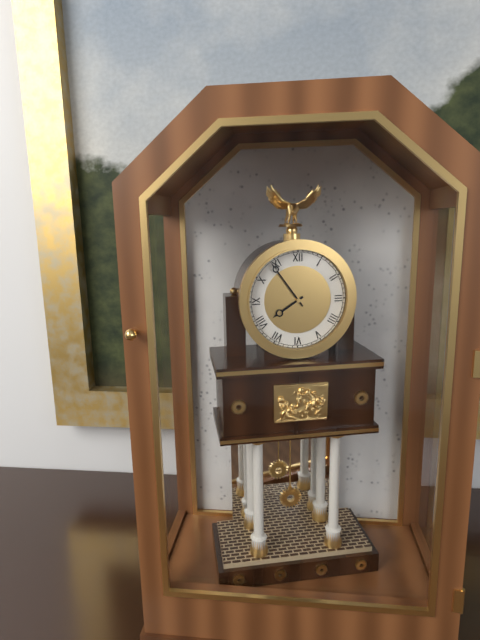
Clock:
7:54
